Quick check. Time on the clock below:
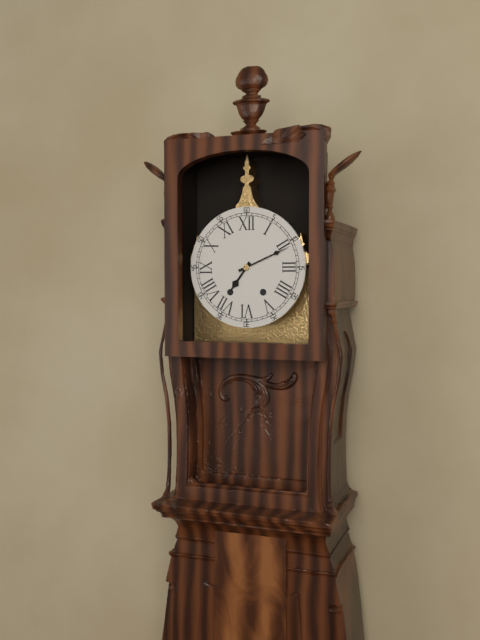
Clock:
7:11
